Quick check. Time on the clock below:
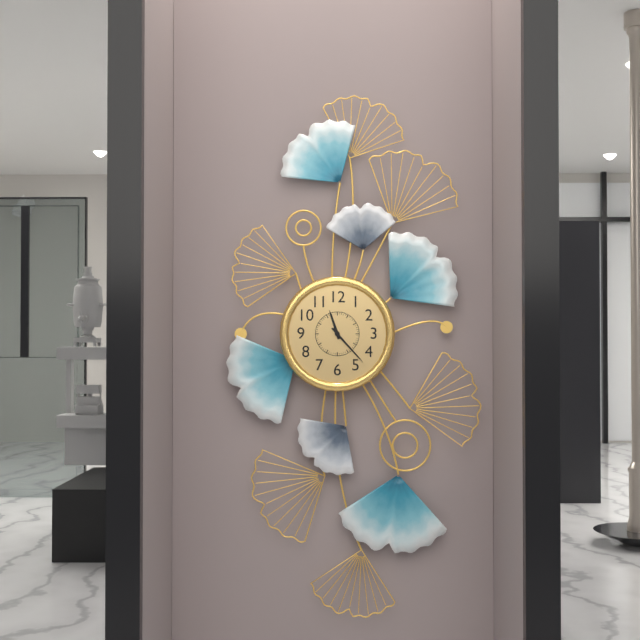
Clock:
11:23
